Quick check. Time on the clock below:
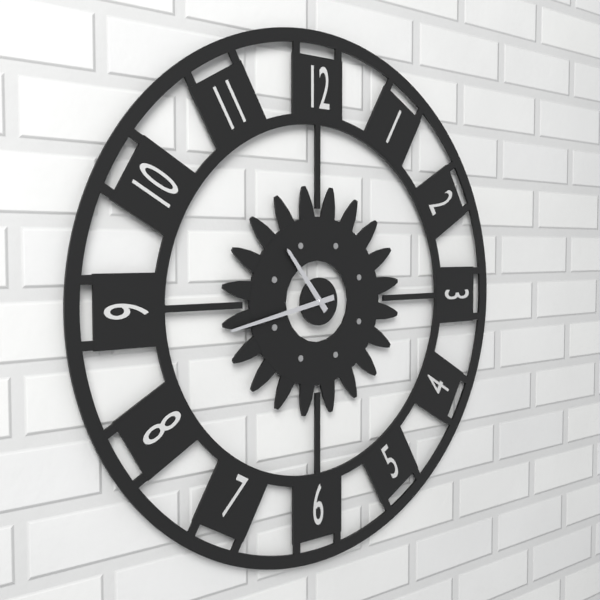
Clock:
10:43
